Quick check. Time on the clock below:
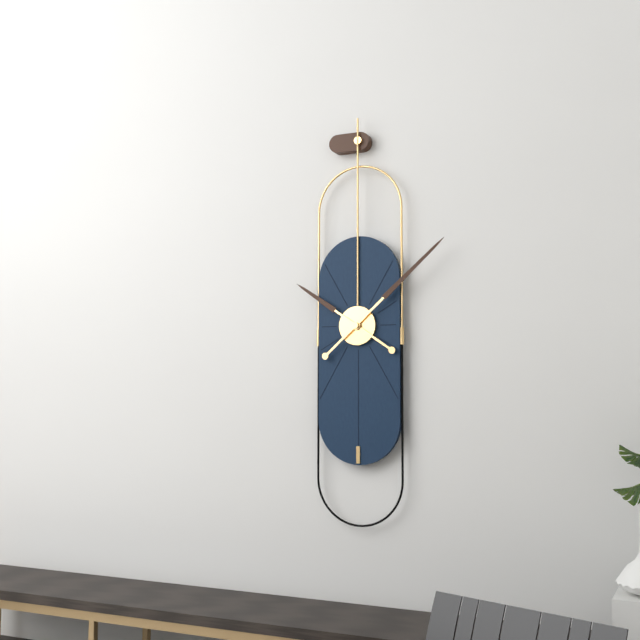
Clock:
10:08
